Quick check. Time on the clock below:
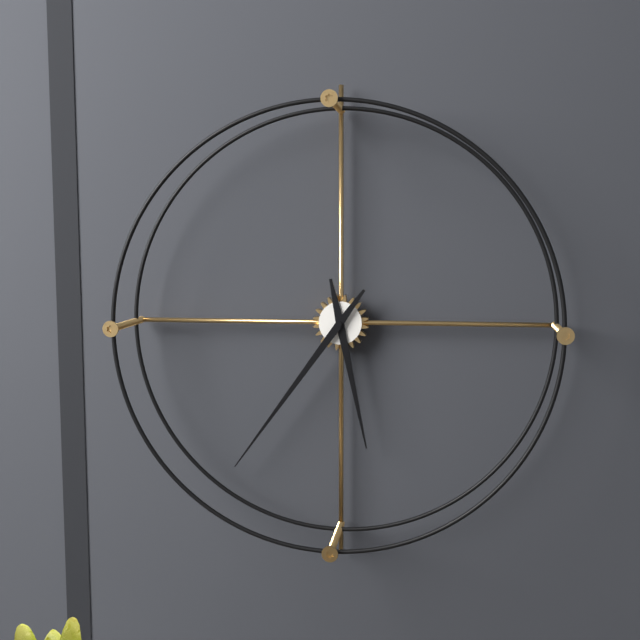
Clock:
5:36
